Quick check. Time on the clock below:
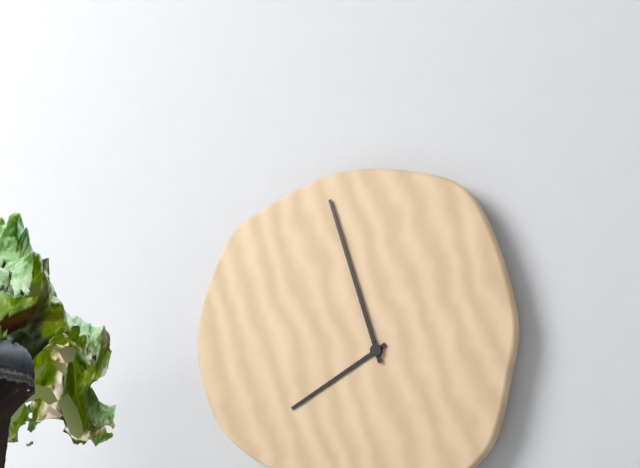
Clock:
7:57
